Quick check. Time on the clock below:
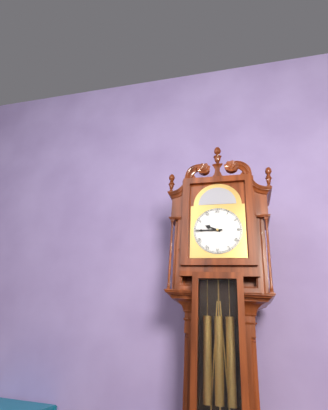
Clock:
9:45
